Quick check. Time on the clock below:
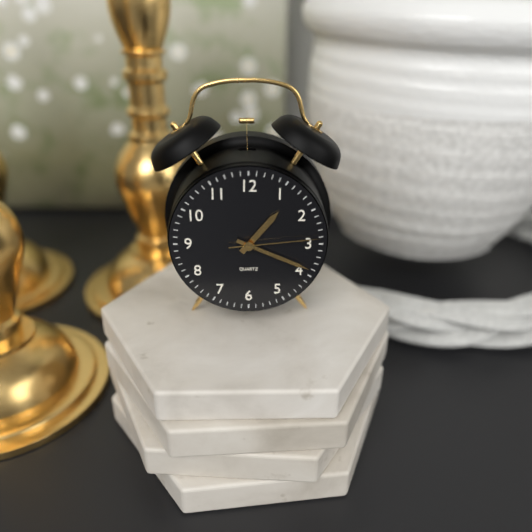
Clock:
1:19:14
